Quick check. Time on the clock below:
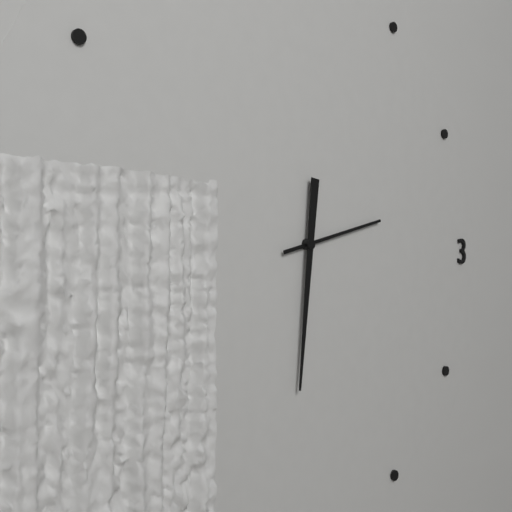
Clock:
2:31
